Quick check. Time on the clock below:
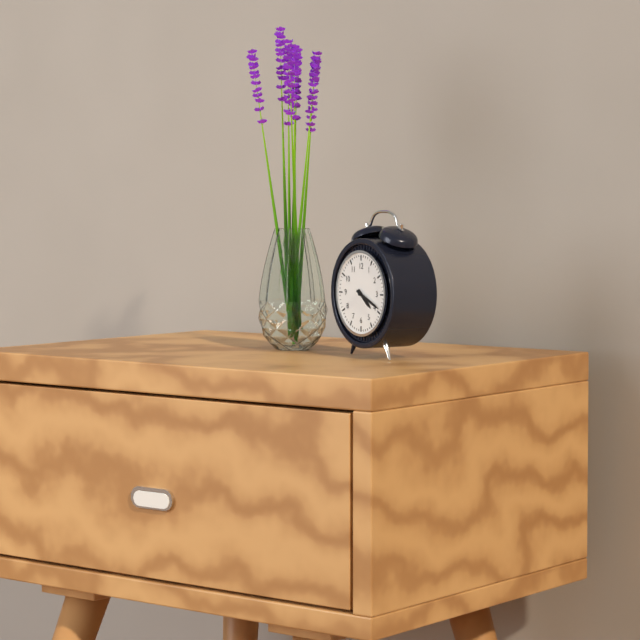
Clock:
4:19
